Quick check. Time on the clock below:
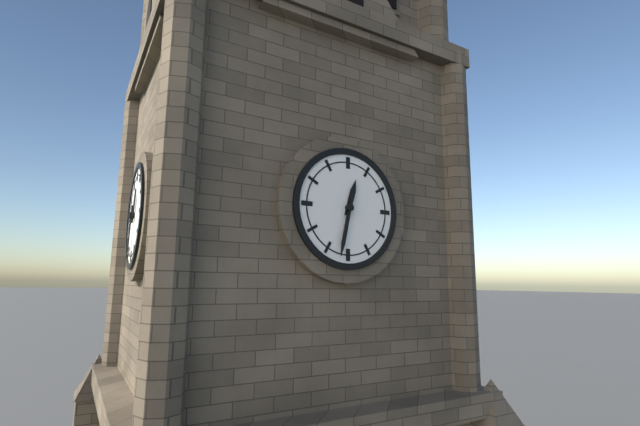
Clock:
12:32
